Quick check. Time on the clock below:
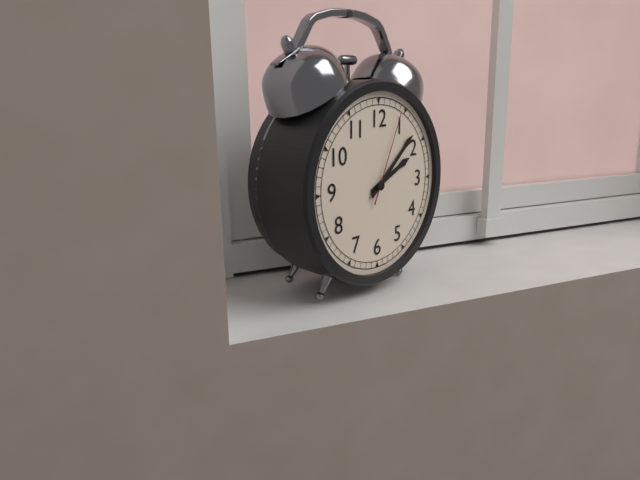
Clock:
2:08:04
